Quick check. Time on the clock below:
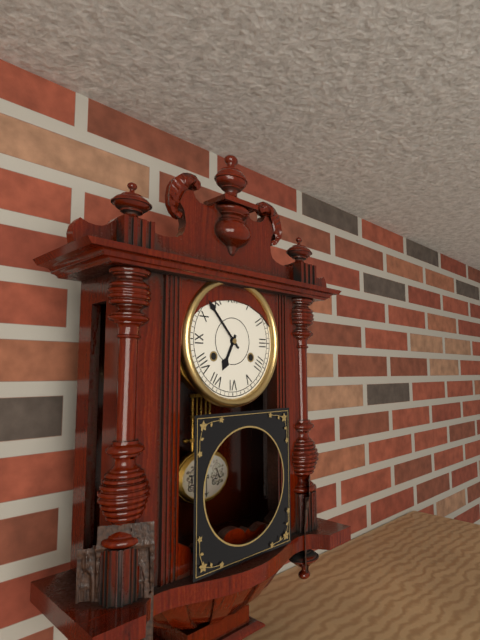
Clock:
6:53
